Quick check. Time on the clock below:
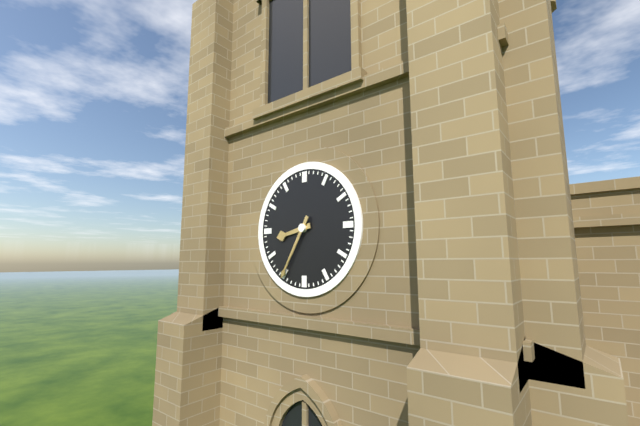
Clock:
8:35
